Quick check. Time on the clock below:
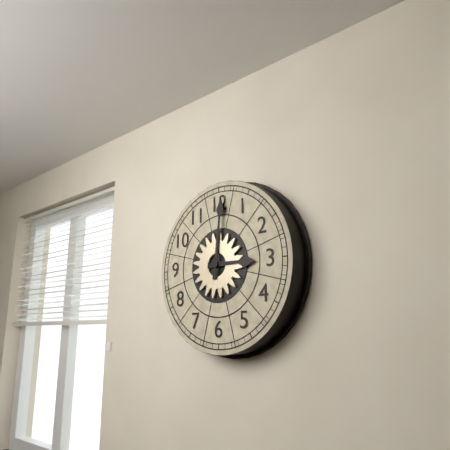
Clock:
3:01
